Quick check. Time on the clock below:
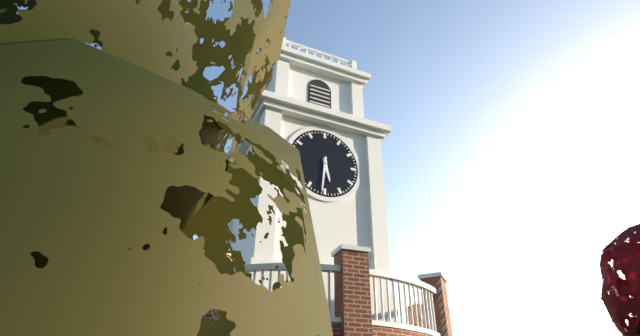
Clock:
5:31
